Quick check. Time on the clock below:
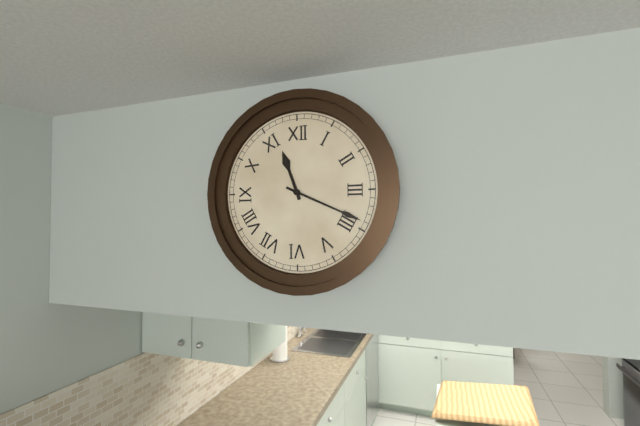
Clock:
11:19
